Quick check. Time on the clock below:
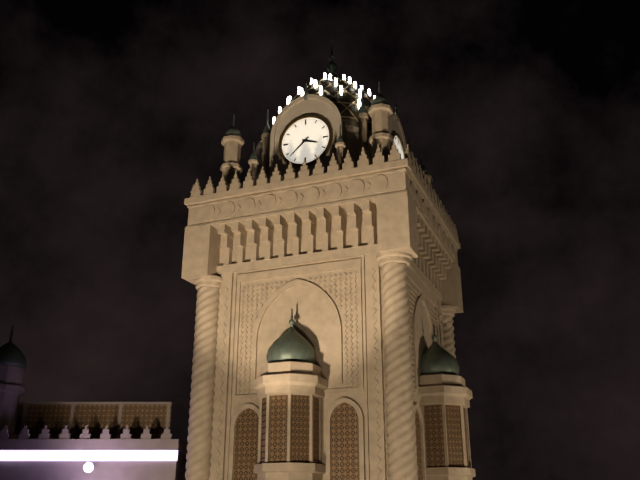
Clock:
3:38
